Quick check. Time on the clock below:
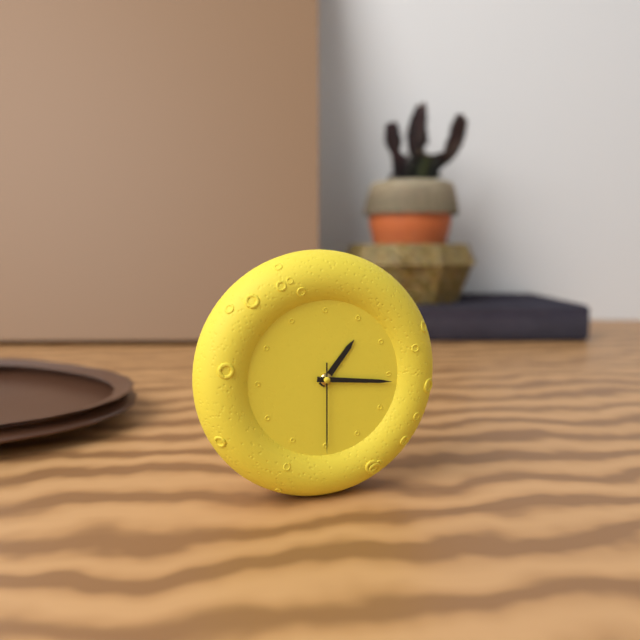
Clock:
1:16:30
